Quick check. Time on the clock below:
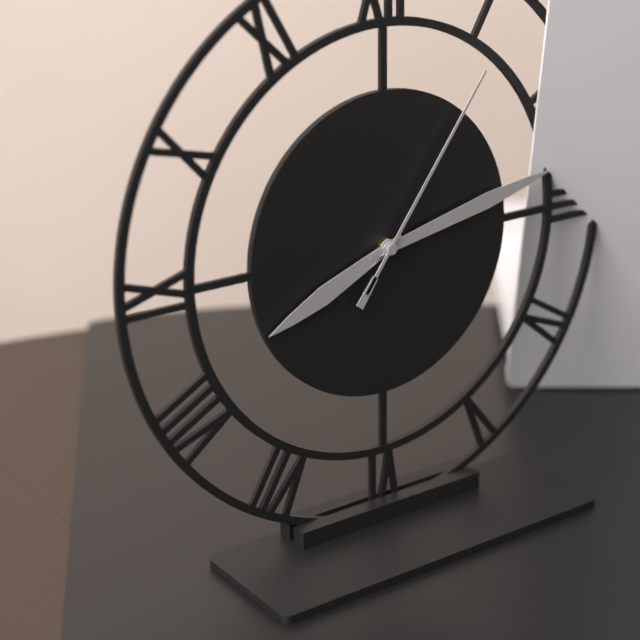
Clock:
8:13:06
